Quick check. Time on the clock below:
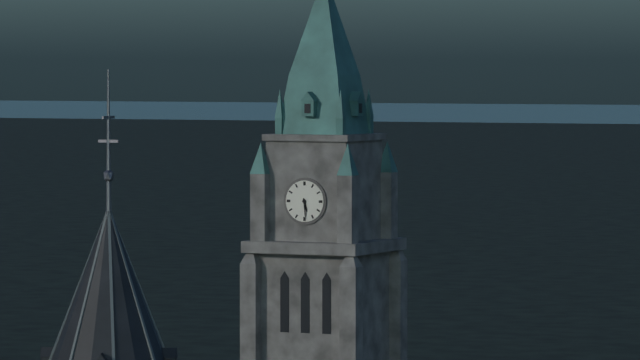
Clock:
5:29
